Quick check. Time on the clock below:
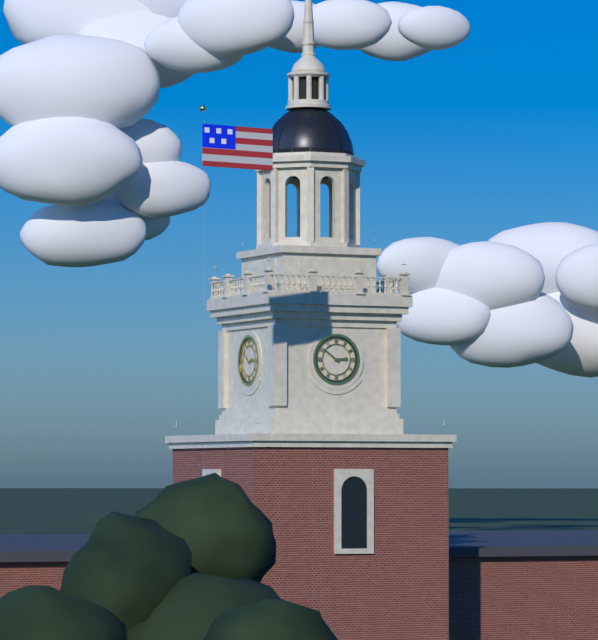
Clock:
2:51
